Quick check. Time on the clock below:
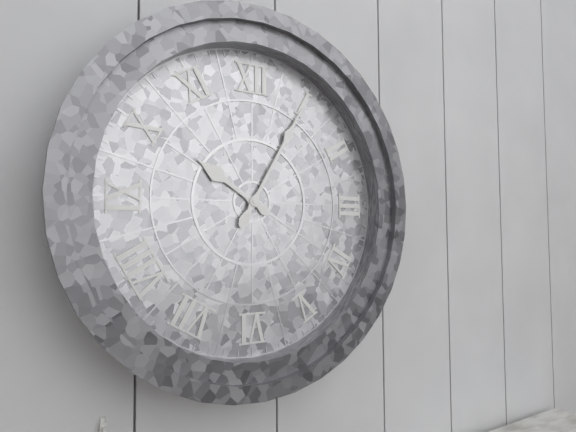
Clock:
10:05
